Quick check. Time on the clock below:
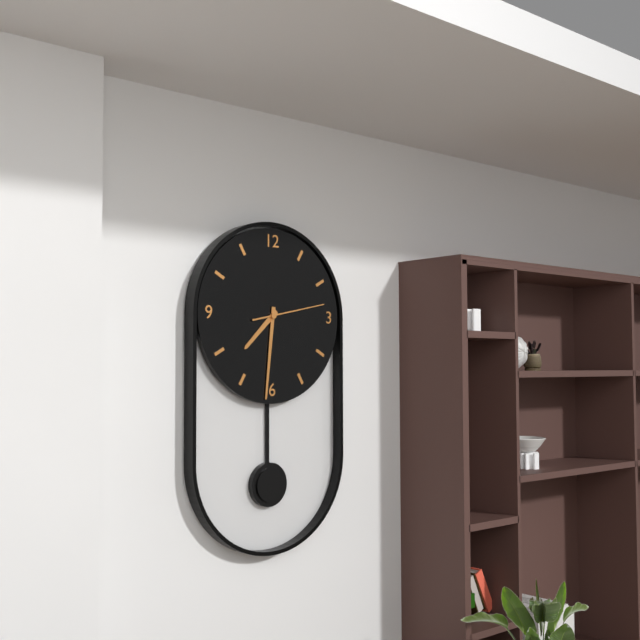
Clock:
7:31:13
